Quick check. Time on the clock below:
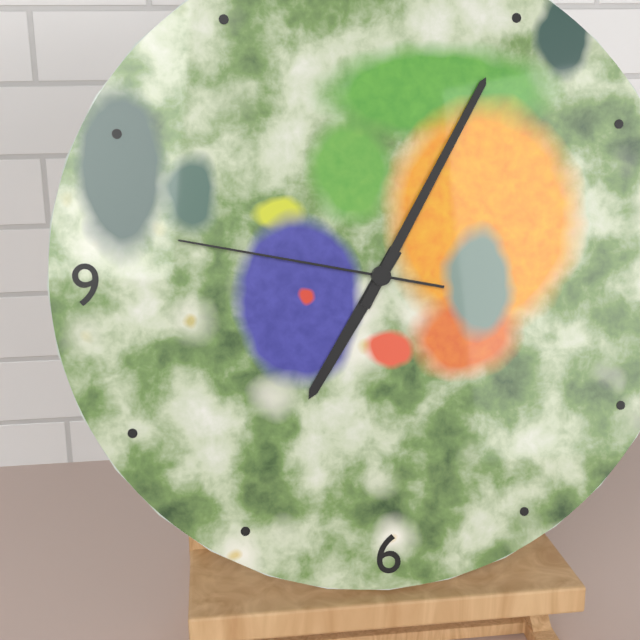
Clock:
7:05:47
